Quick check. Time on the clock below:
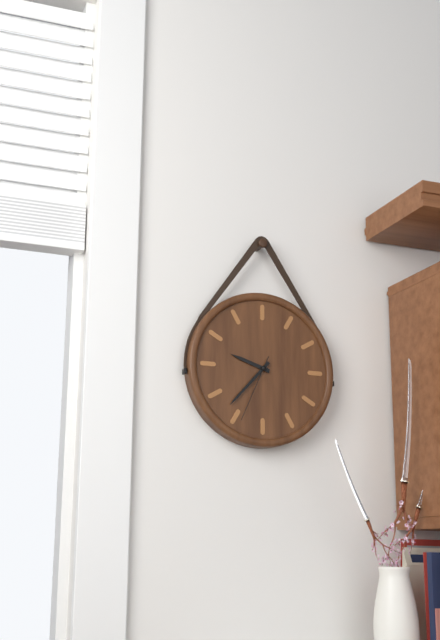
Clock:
9:37:34
